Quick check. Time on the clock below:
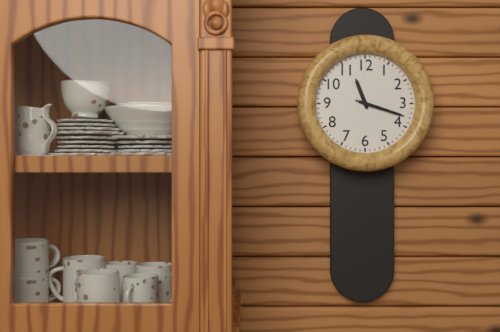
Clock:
11:18:18
